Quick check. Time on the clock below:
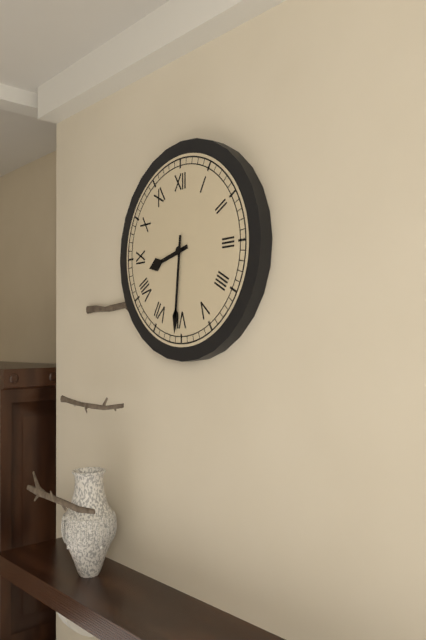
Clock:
8:31
